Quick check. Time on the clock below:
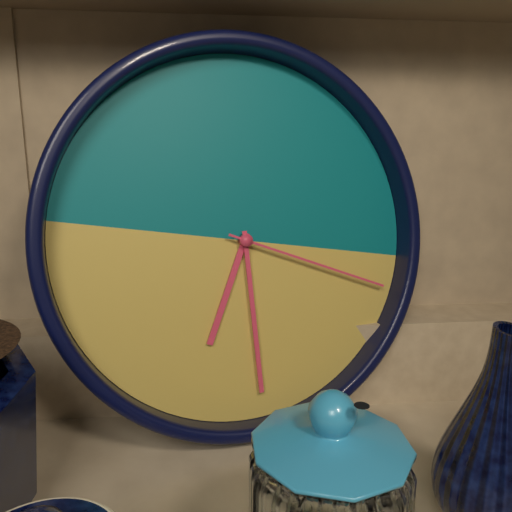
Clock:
6:28:17
